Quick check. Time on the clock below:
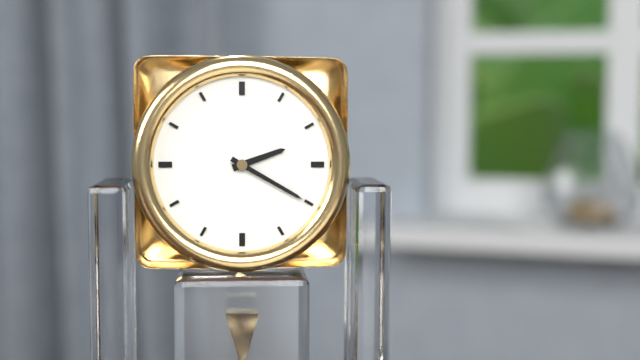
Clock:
2:20
